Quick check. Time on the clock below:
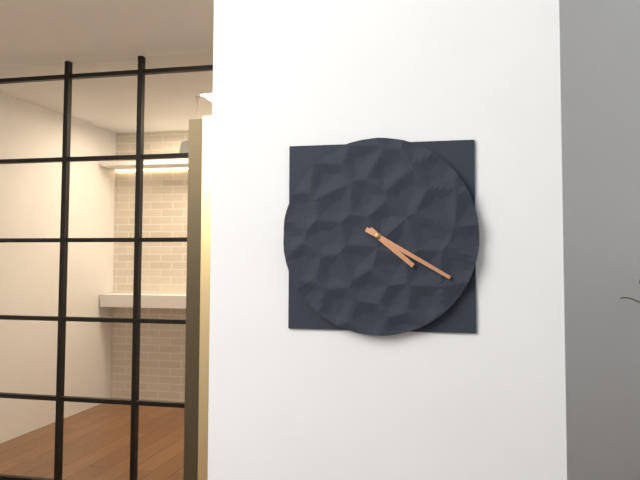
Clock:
4:20
